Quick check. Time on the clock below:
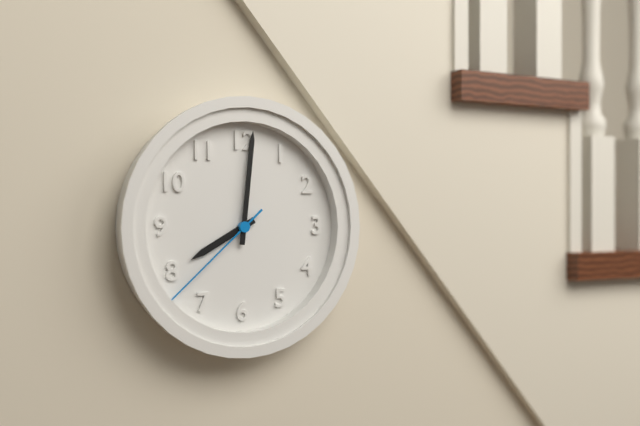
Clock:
8:01:38
